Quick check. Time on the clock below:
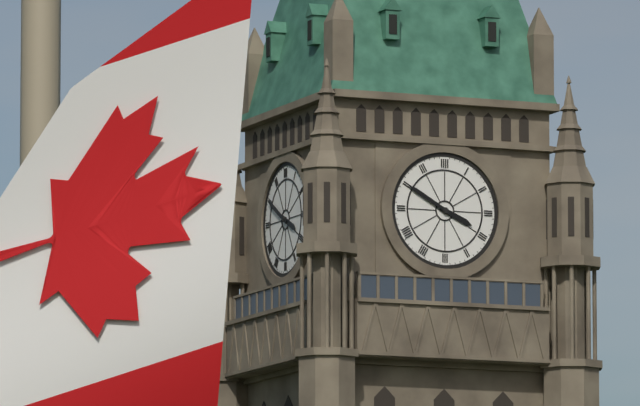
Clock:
3:50
